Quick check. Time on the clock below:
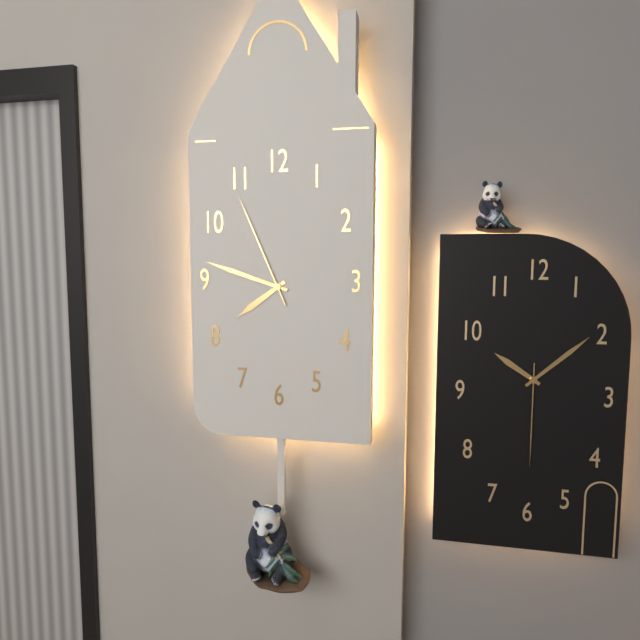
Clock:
7:48:56
